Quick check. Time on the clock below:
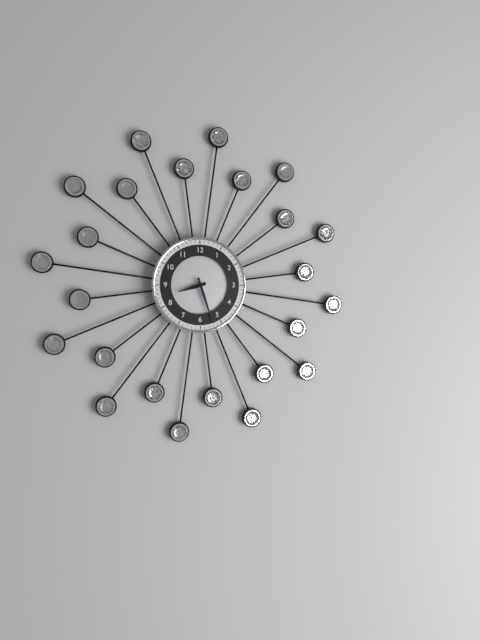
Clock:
8:27
